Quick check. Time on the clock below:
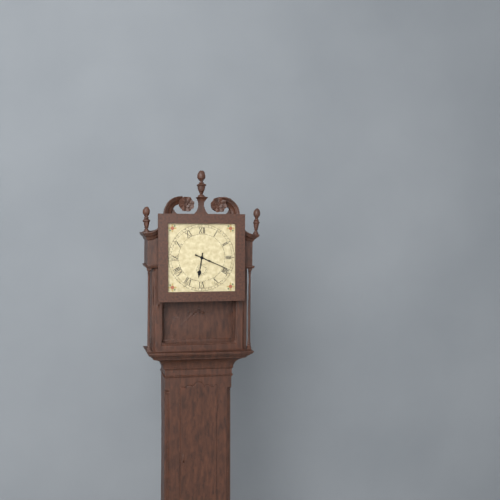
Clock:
6:19
